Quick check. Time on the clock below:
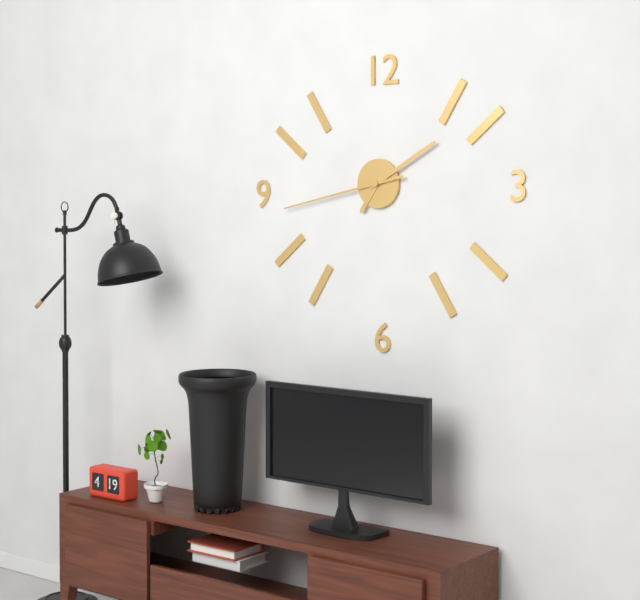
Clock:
7:10:43
